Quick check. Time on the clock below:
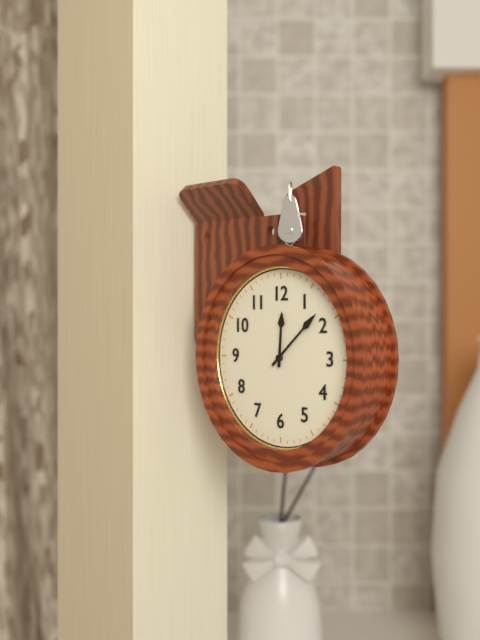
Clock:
12:08
